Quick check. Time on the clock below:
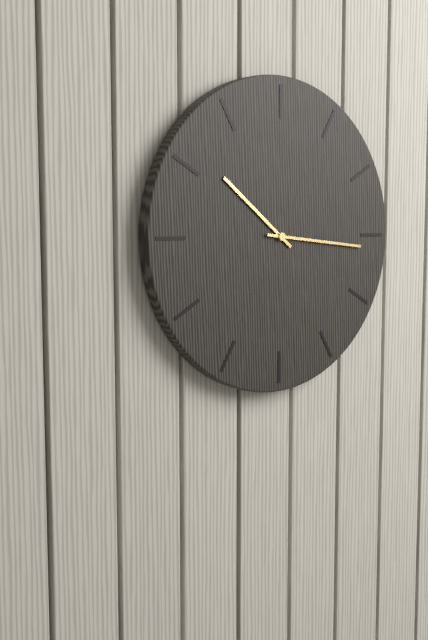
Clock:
10:16
